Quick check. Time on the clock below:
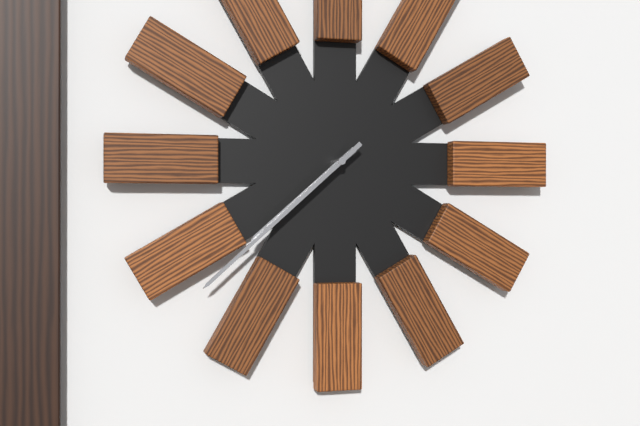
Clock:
7:38
